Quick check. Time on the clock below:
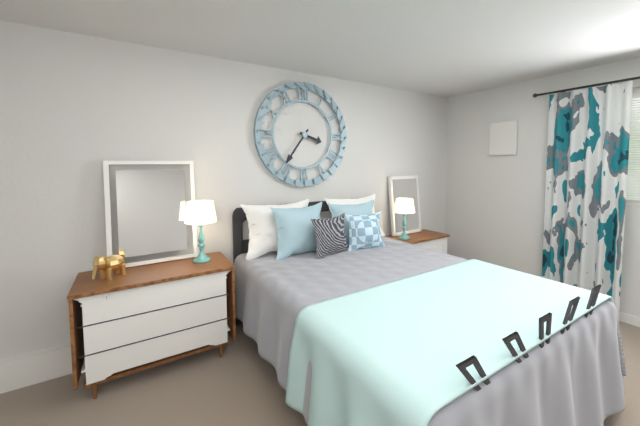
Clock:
3:36
